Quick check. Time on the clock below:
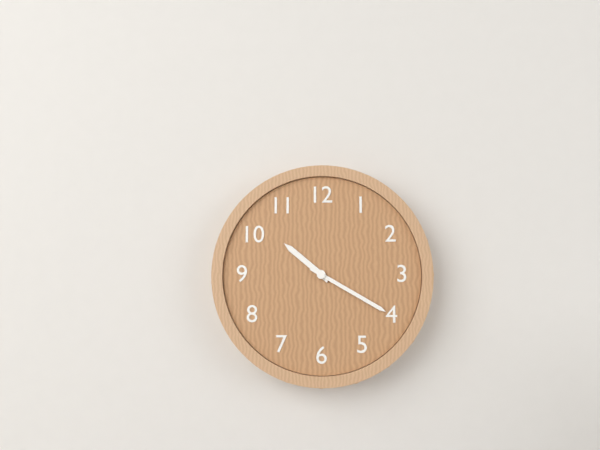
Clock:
10:20
